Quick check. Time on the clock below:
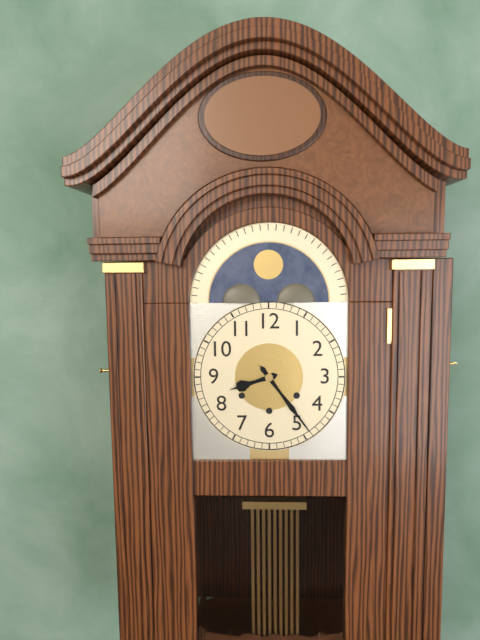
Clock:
8:24
